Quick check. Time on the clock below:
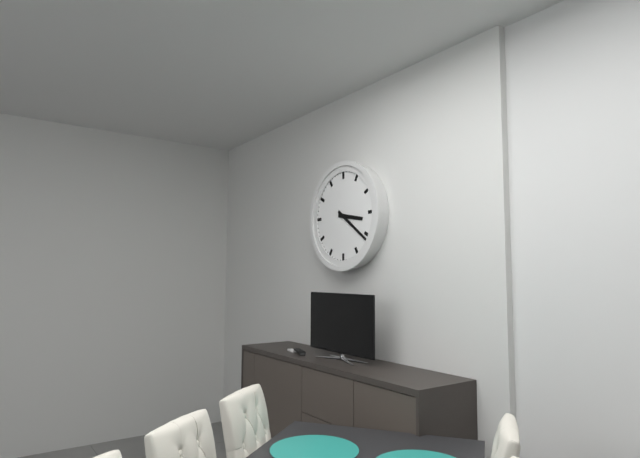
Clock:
3:21
